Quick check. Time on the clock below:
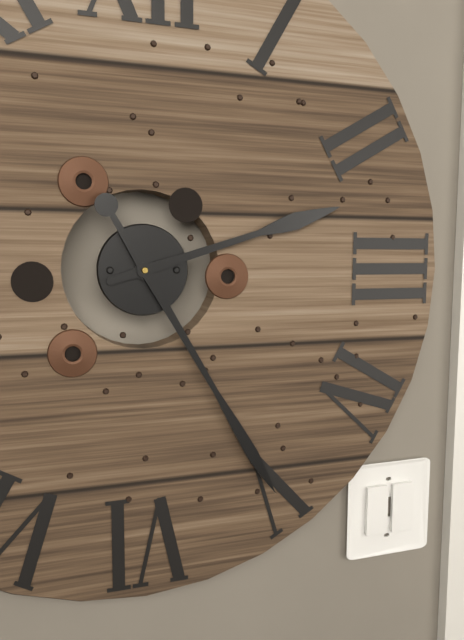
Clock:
2:25
